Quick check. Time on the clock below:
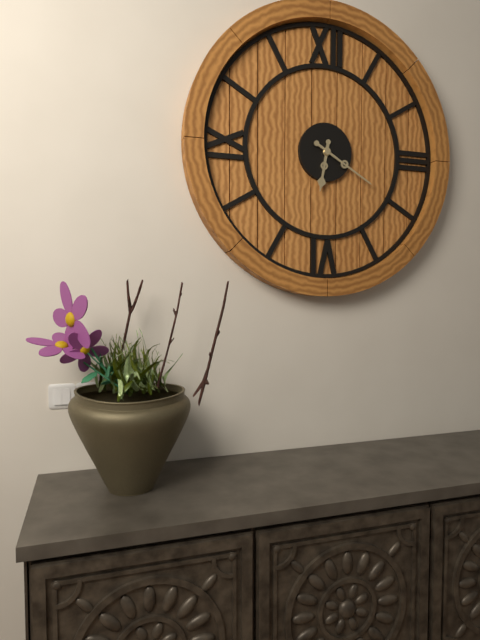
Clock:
6:20
